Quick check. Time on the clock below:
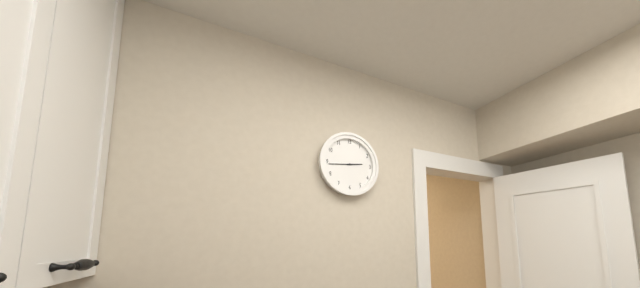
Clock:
2:44
